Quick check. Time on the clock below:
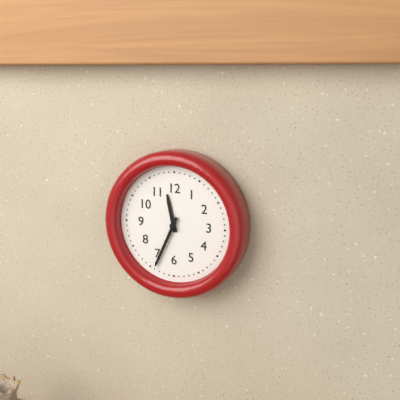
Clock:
11:34
